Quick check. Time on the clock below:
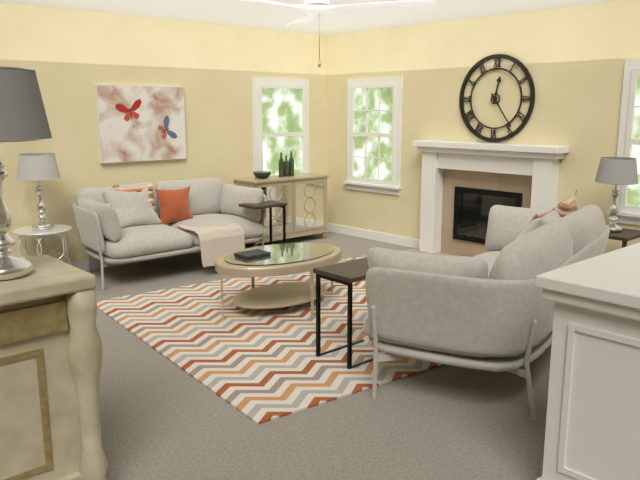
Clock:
12:24
